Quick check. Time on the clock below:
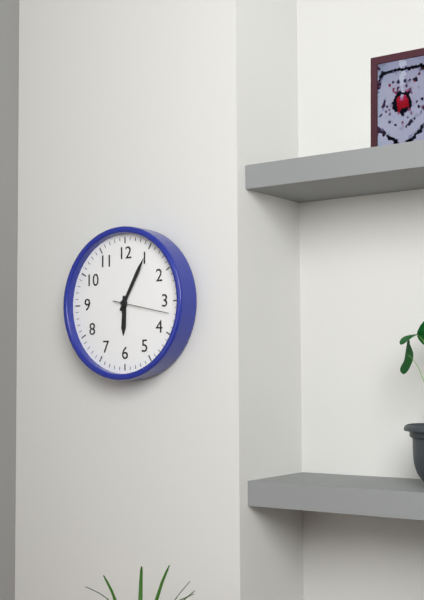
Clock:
6:05:17
